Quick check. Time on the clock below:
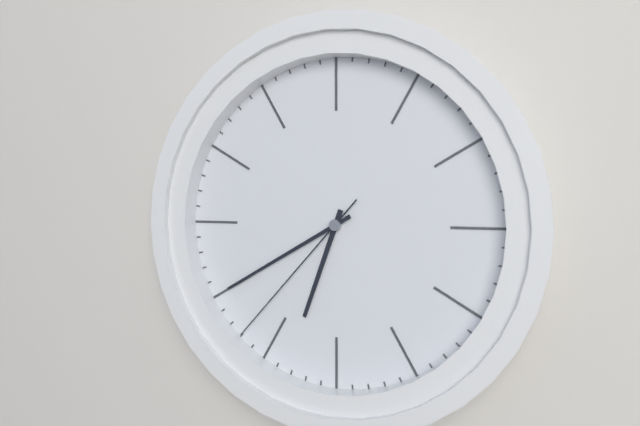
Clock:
6:40:37
